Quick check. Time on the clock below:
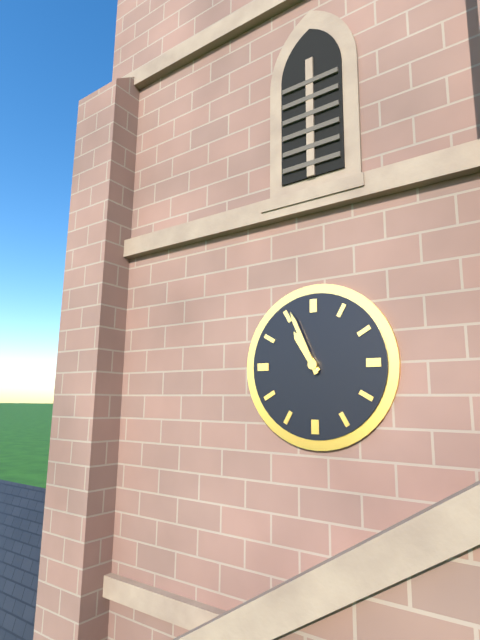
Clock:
10:56
